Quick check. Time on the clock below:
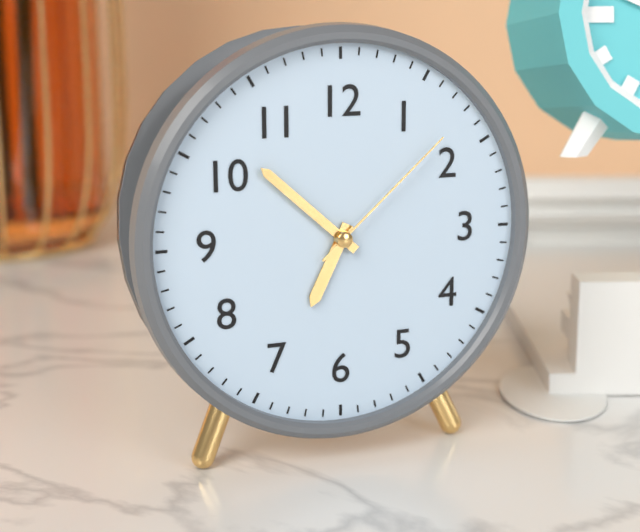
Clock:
6:52:08
